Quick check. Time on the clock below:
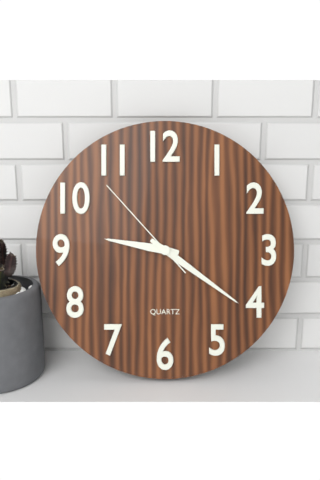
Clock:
9:21:53
